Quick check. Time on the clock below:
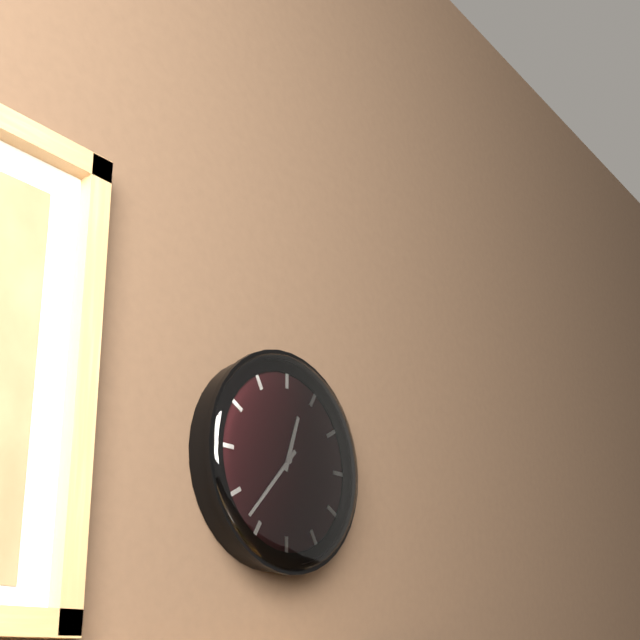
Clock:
12:37
